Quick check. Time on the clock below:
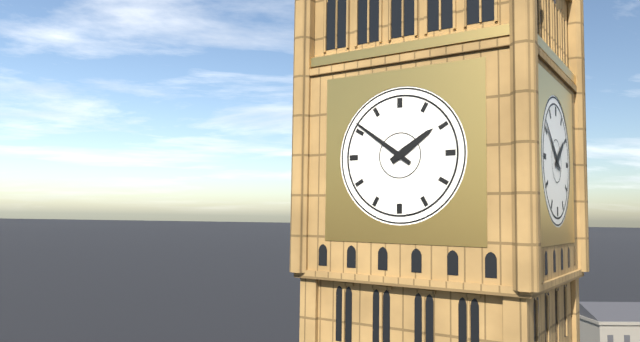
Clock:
1:51
